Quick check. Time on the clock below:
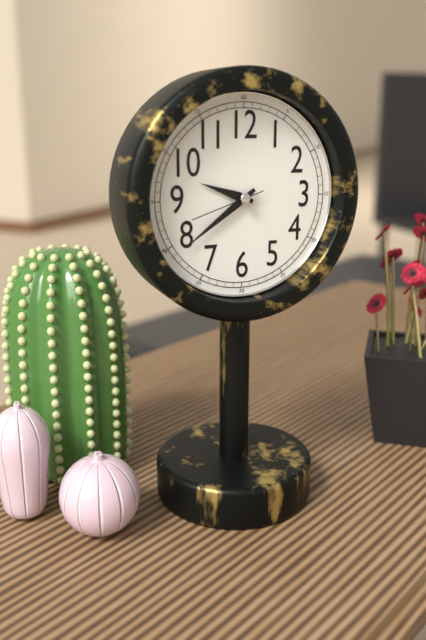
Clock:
9:39:42
